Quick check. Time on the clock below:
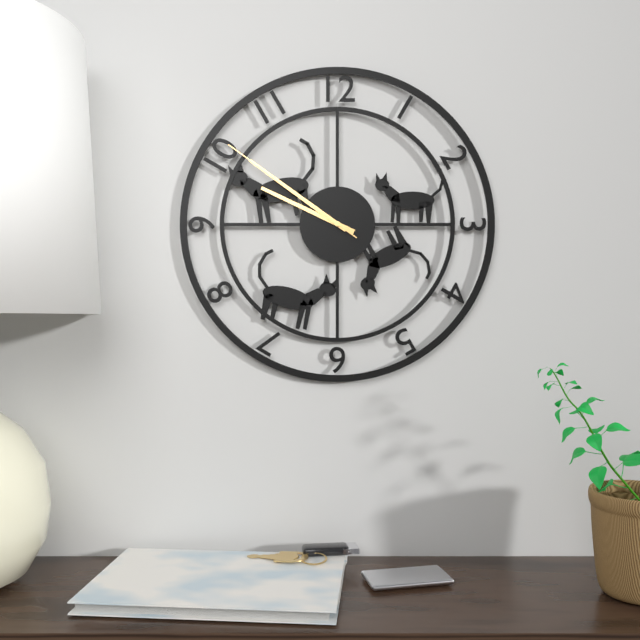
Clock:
9:51:51
